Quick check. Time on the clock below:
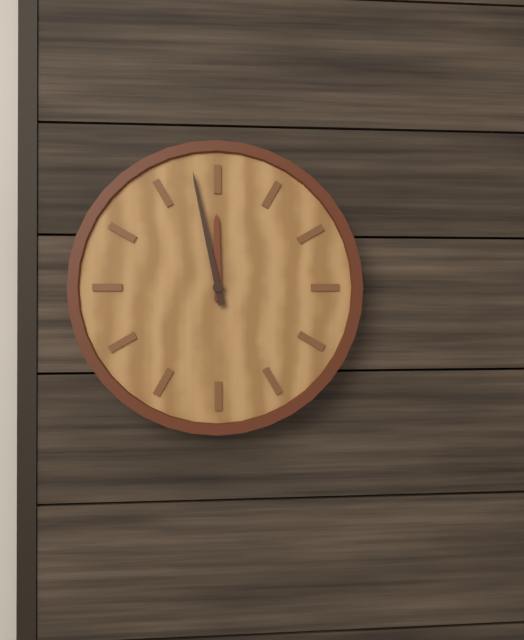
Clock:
11:58
